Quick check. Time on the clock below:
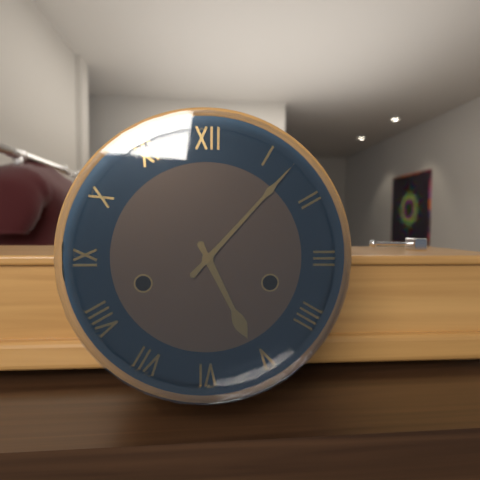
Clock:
5:07
